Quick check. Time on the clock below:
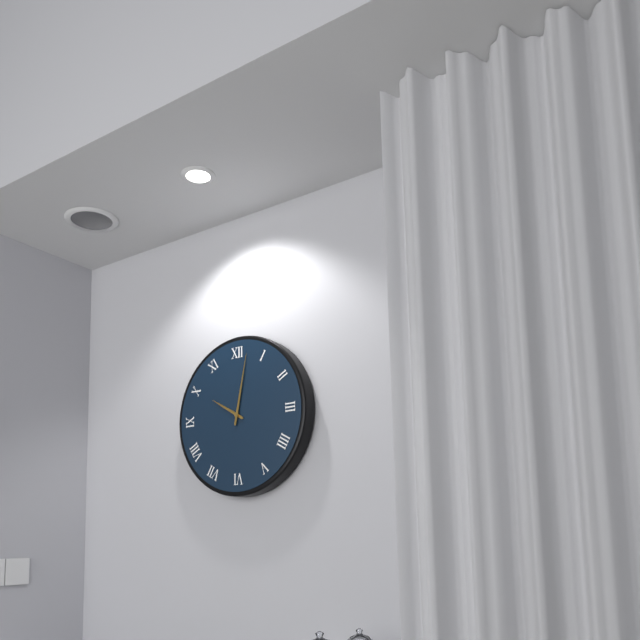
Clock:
10:02
